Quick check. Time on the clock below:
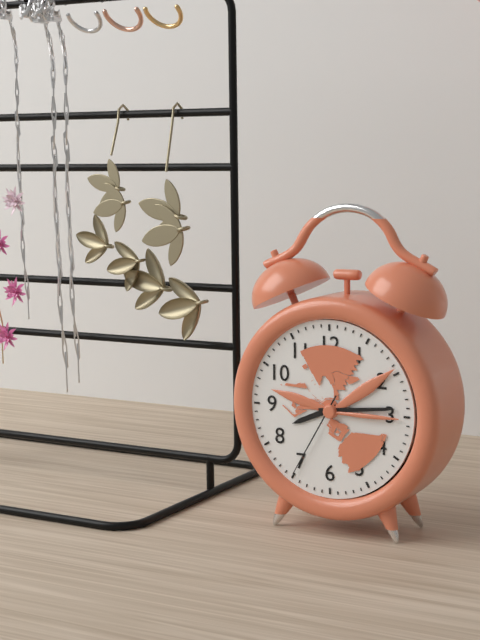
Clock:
8:14:35
